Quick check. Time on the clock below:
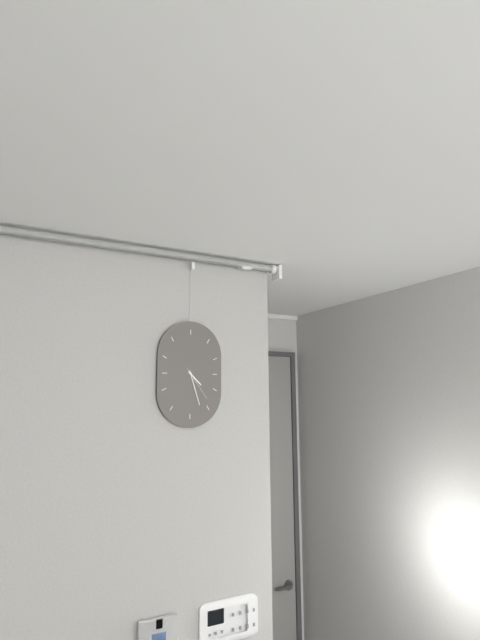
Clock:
4:27
